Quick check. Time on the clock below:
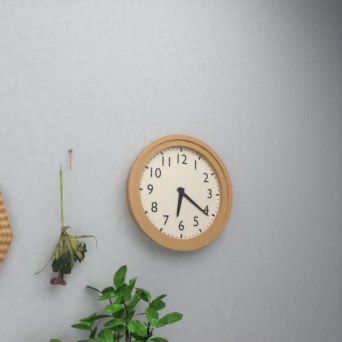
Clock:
6:21
